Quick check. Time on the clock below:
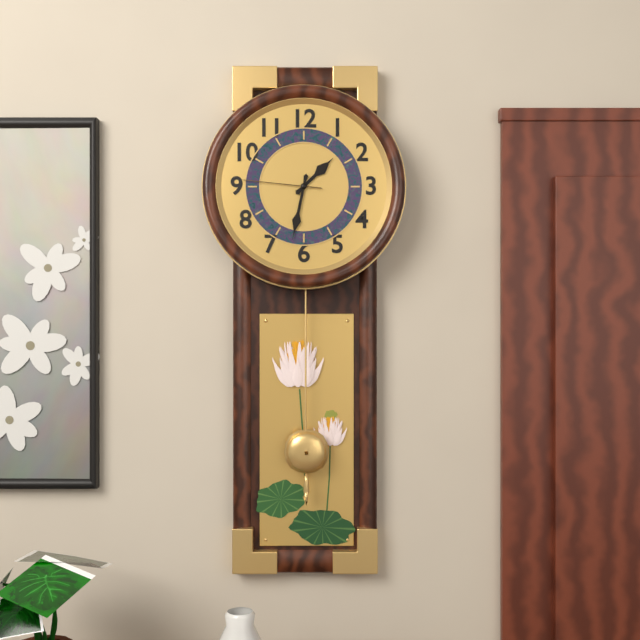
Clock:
1:32:46
